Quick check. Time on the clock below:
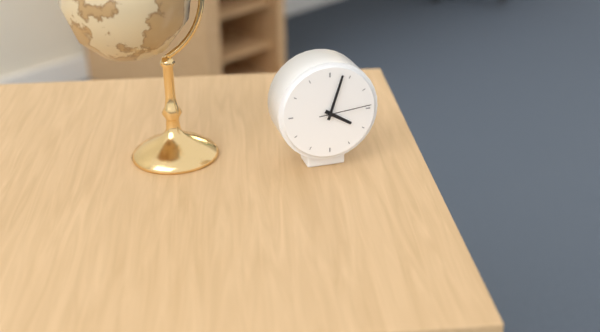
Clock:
4:03:14
